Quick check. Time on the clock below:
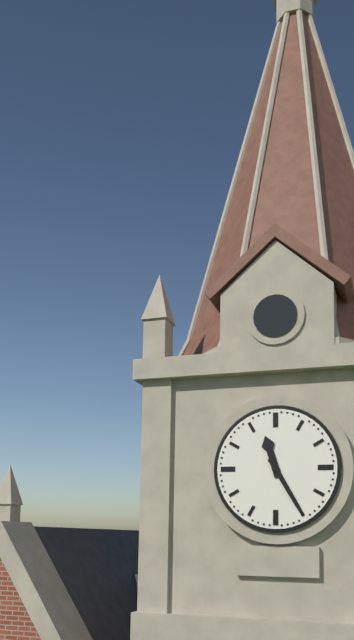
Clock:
11:25
